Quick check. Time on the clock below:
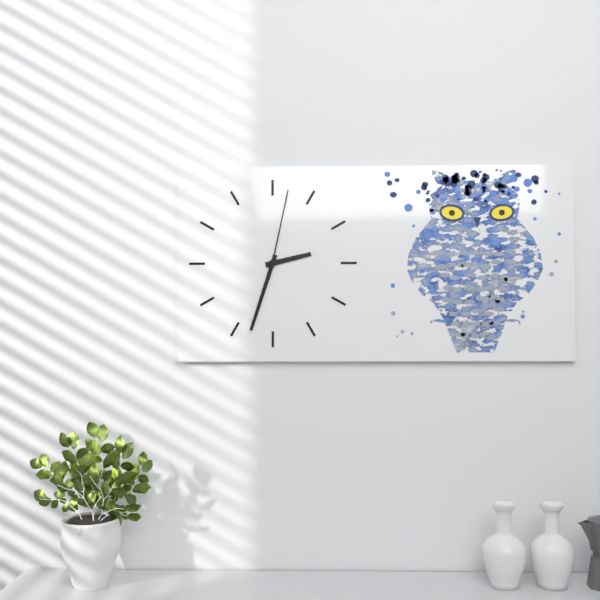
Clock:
2:33:02
